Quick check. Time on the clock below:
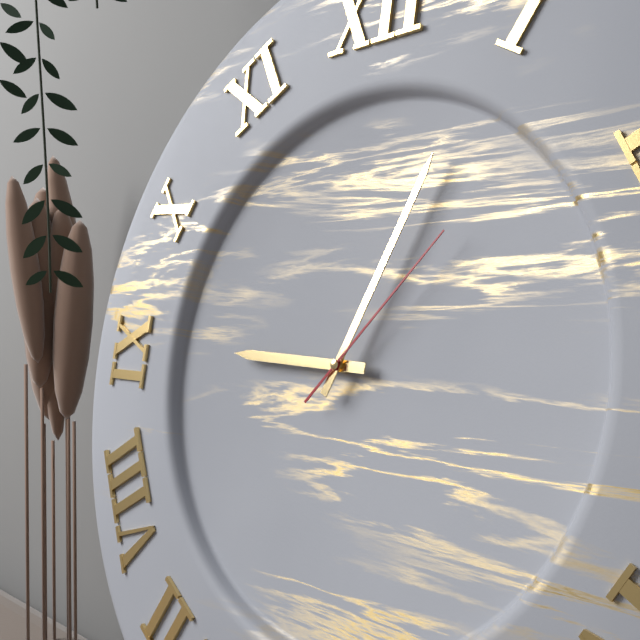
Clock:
9:04:07
